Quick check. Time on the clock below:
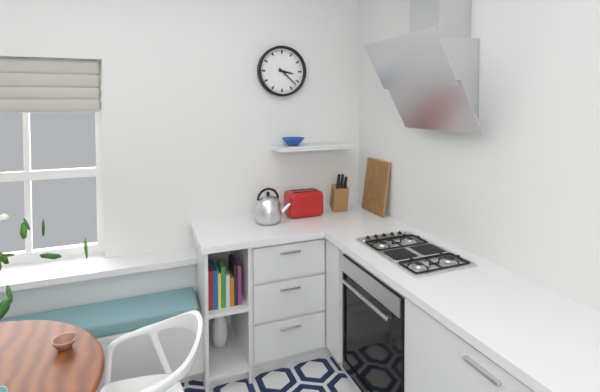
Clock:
3:22
